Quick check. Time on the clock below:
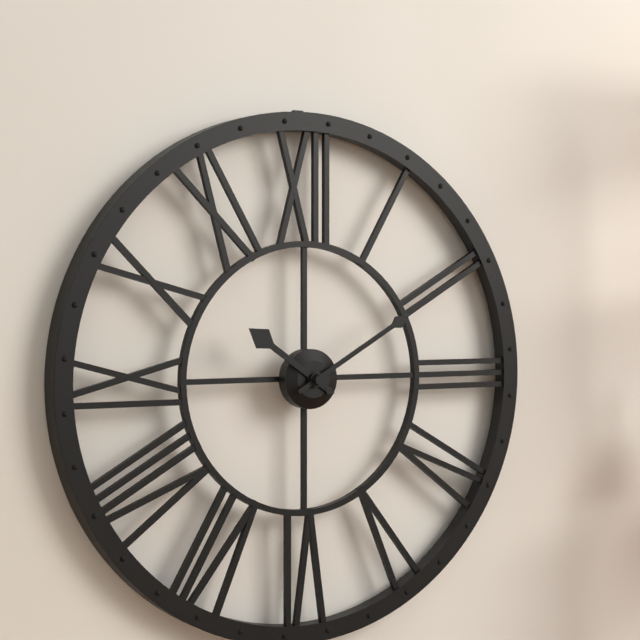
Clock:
10:10
